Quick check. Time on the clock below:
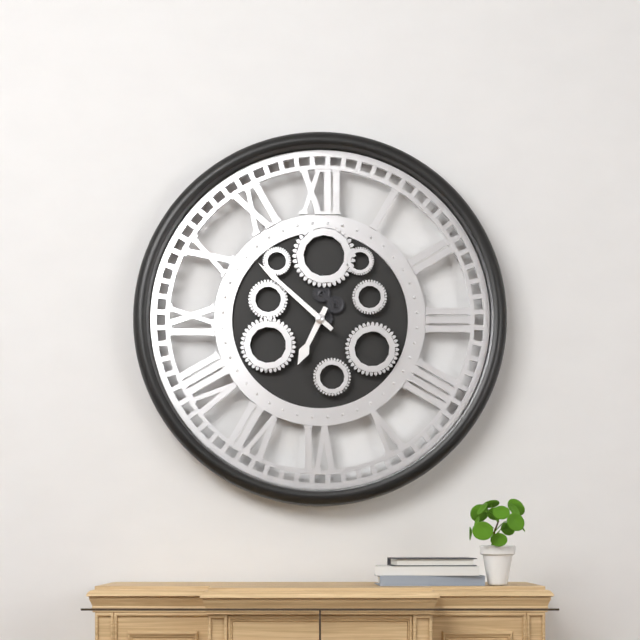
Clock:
6:52
